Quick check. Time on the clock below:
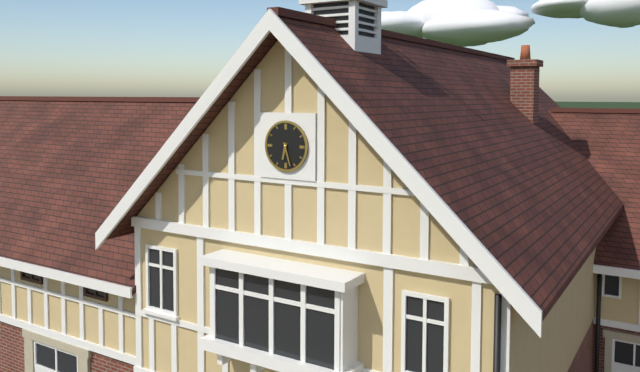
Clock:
6:27
